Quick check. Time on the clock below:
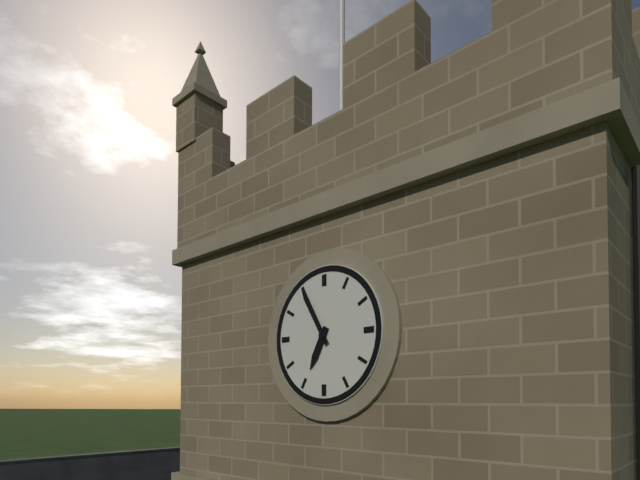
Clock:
6:55
